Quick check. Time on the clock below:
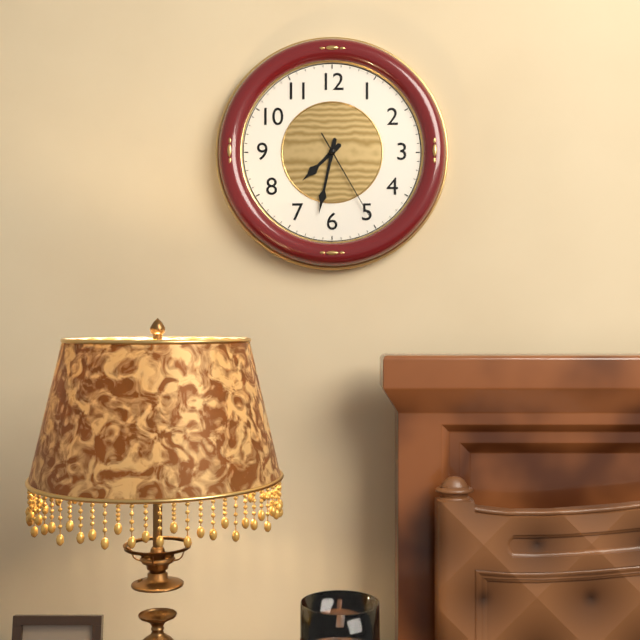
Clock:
7:32:25
